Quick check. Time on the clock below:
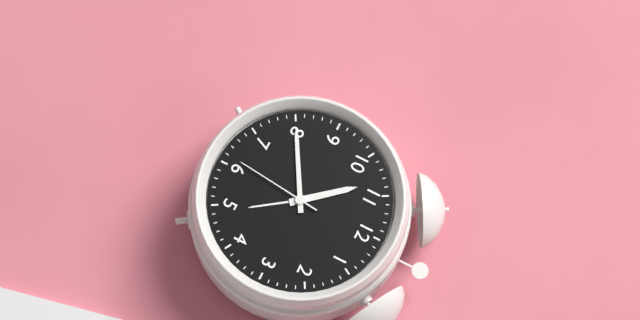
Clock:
10:40:31
